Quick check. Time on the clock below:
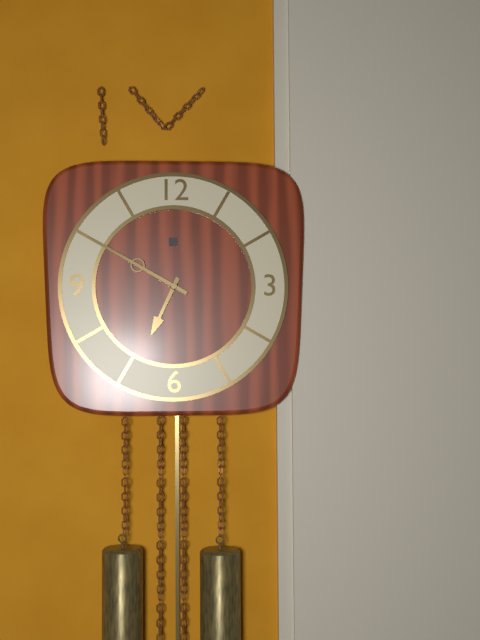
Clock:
6:50
